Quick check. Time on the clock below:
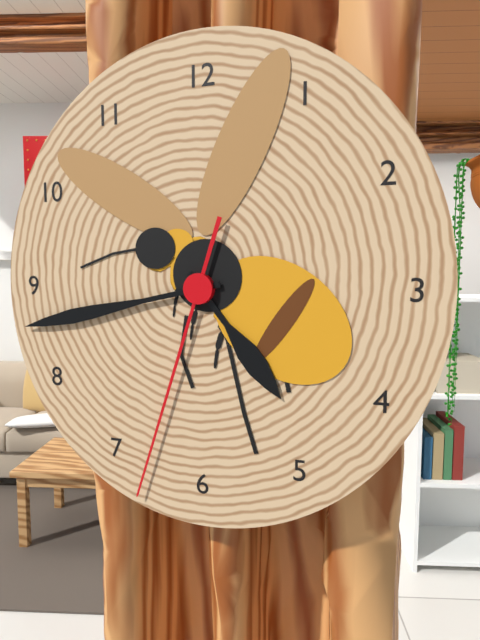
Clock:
4:43:33
